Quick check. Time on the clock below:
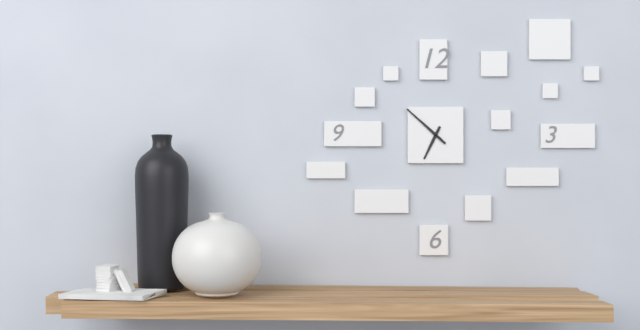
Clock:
6:52
